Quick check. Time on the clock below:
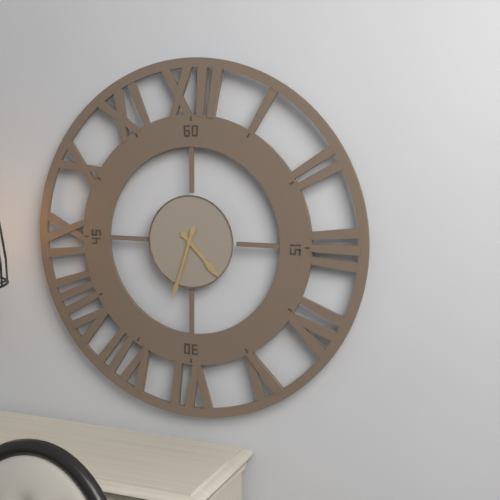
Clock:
4:33
